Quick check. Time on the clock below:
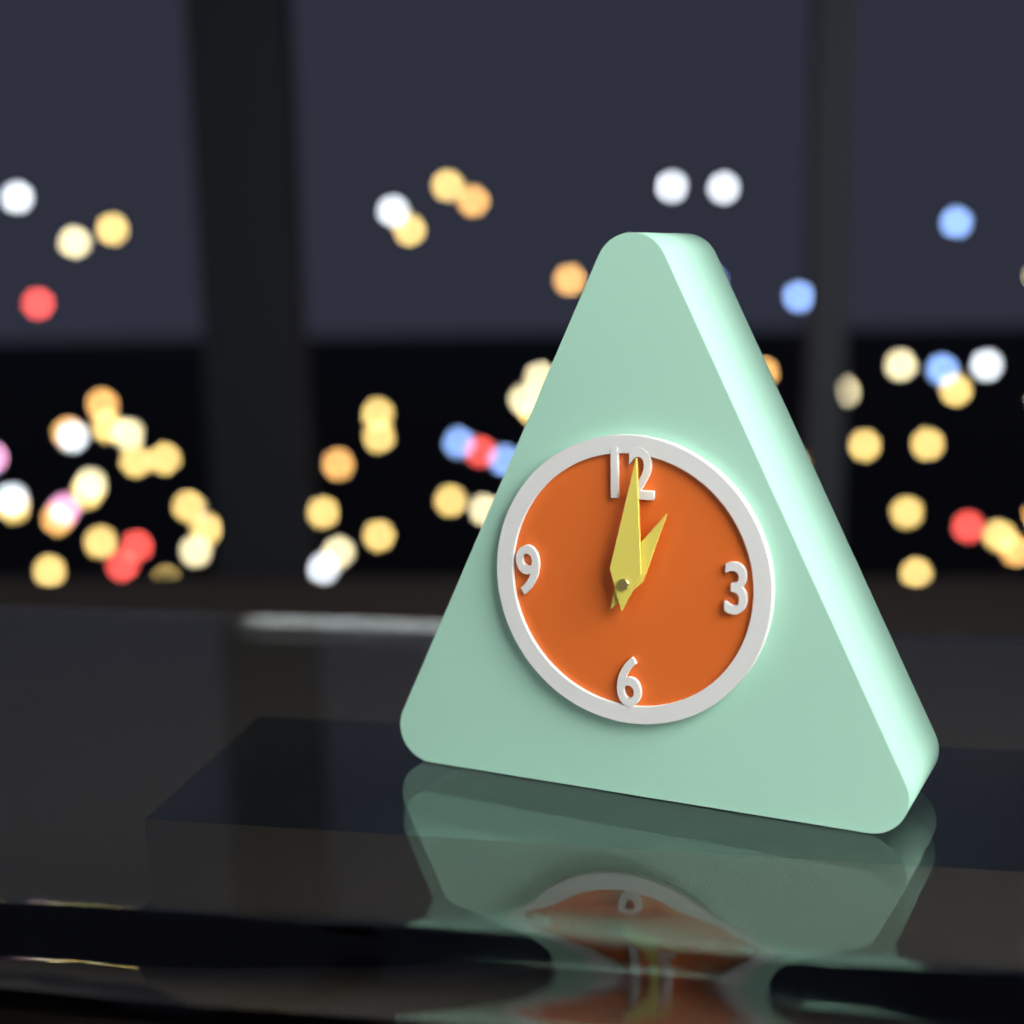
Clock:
1:01
